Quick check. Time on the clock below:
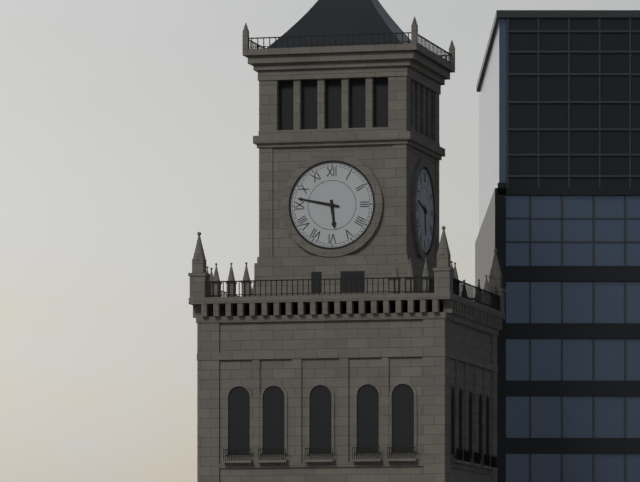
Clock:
5:47
